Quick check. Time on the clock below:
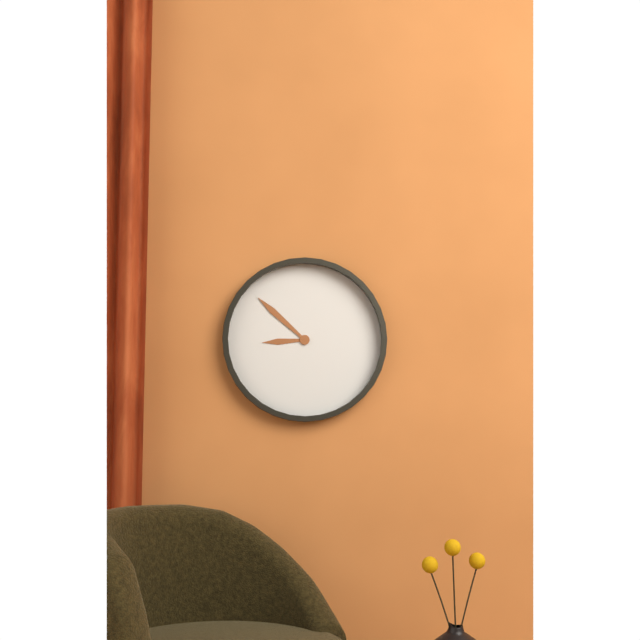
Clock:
8:52
